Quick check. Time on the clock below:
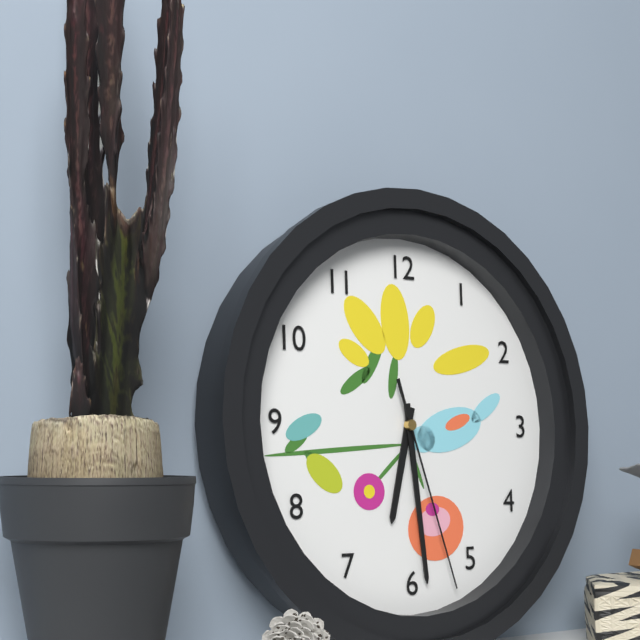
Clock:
6:29:27
